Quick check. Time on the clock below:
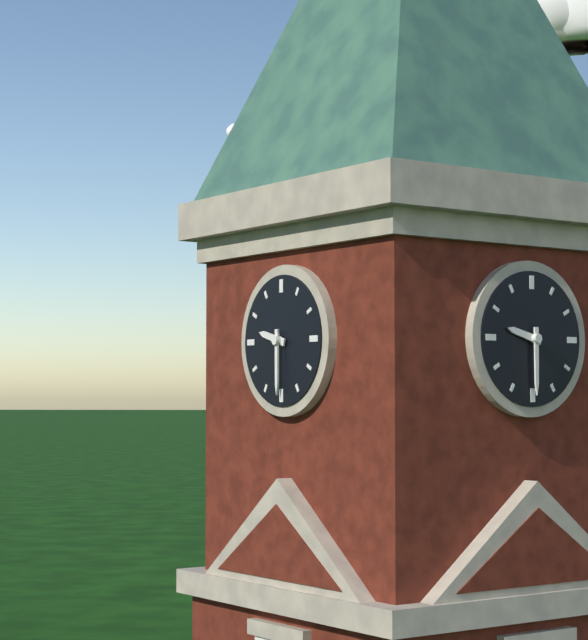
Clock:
9:30
